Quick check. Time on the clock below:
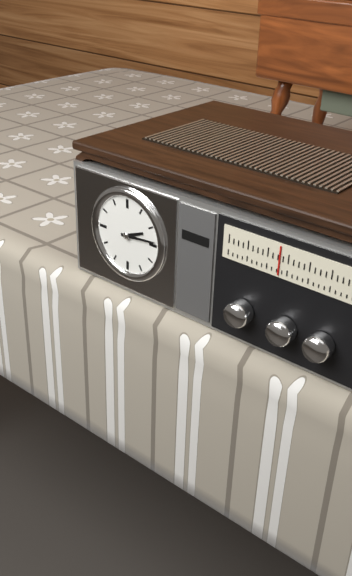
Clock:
2:14
